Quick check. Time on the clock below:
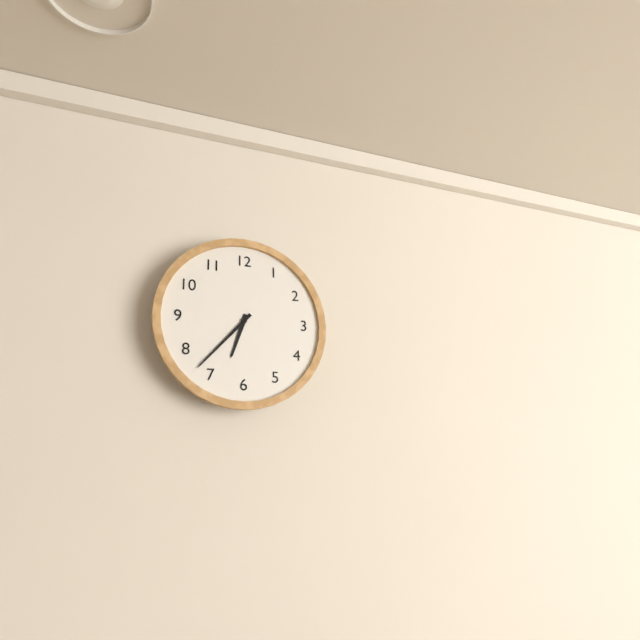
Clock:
6:37
